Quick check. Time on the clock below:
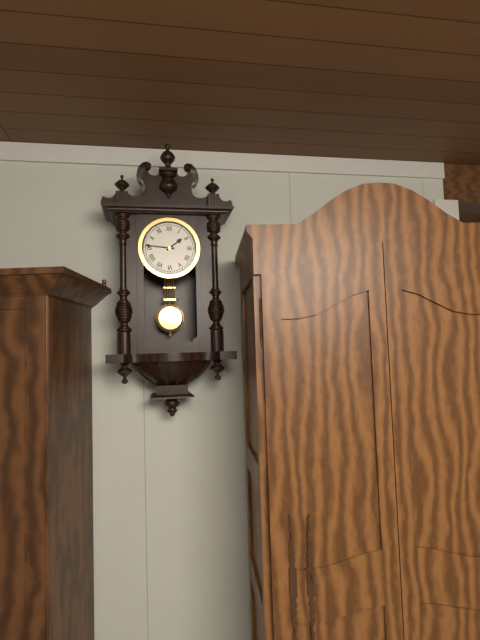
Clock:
1:46
